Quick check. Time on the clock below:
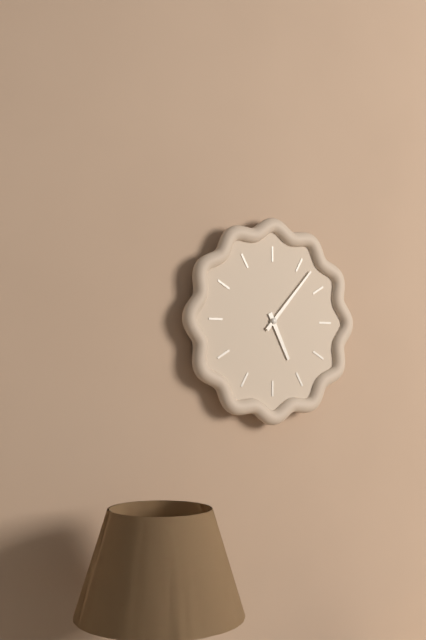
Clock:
5:07
